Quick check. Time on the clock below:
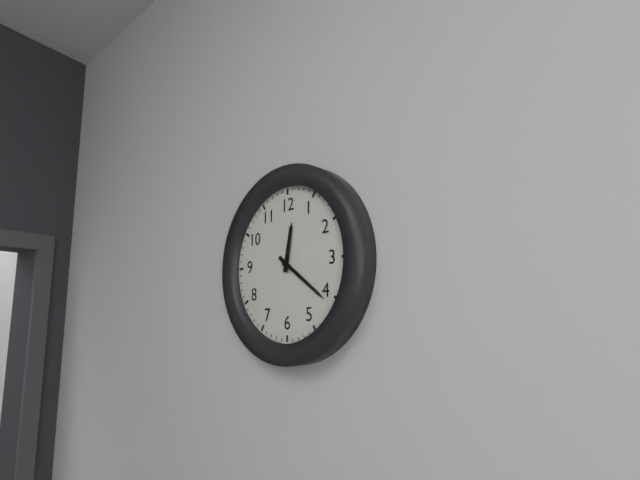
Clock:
12:21
